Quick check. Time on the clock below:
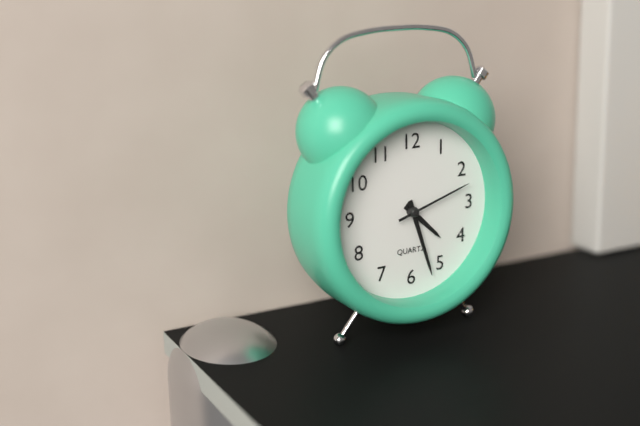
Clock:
4:27:12
